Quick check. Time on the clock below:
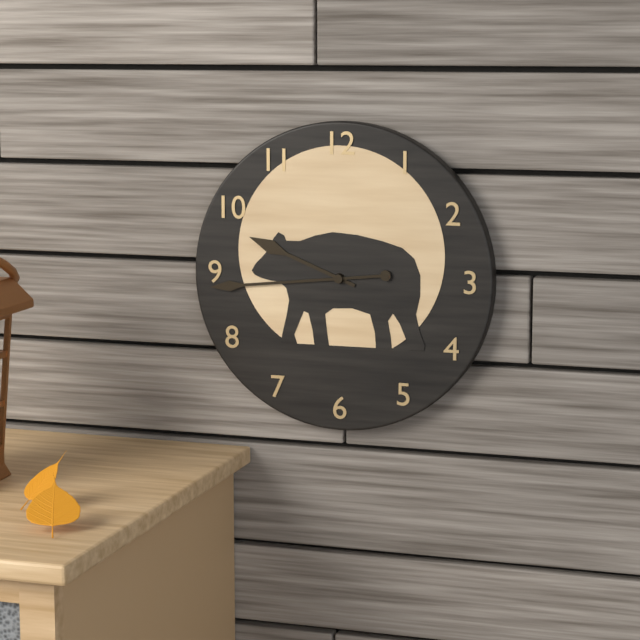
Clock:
9:44
